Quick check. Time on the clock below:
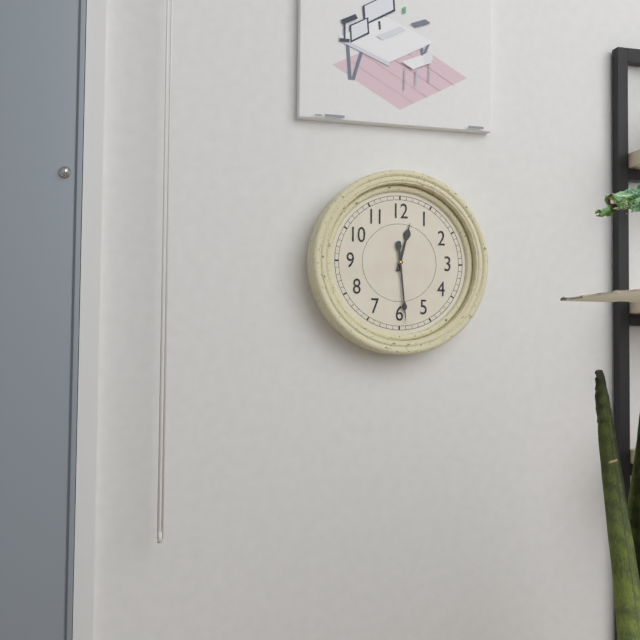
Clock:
12:29
